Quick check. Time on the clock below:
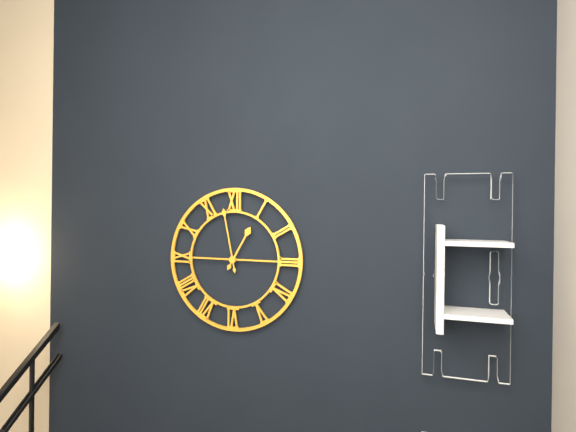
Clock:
12:58
